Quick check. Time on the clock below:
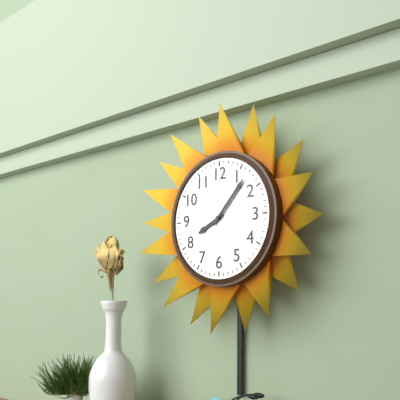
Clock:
8:07
